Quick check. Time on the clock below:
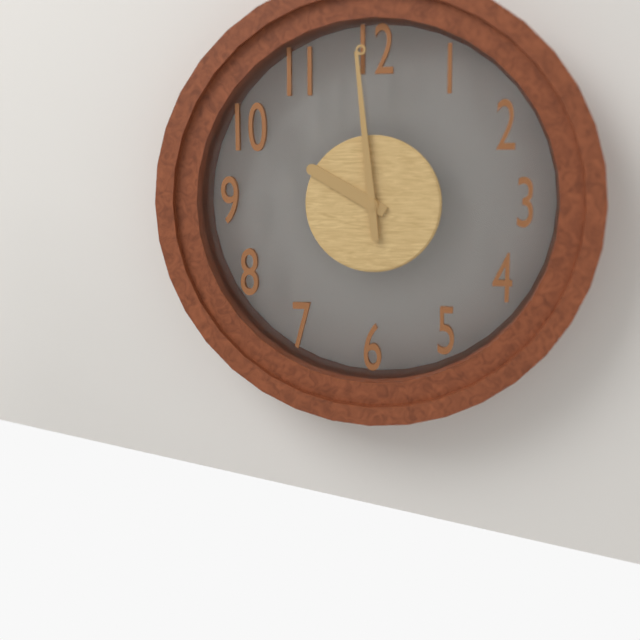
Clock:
9:59
